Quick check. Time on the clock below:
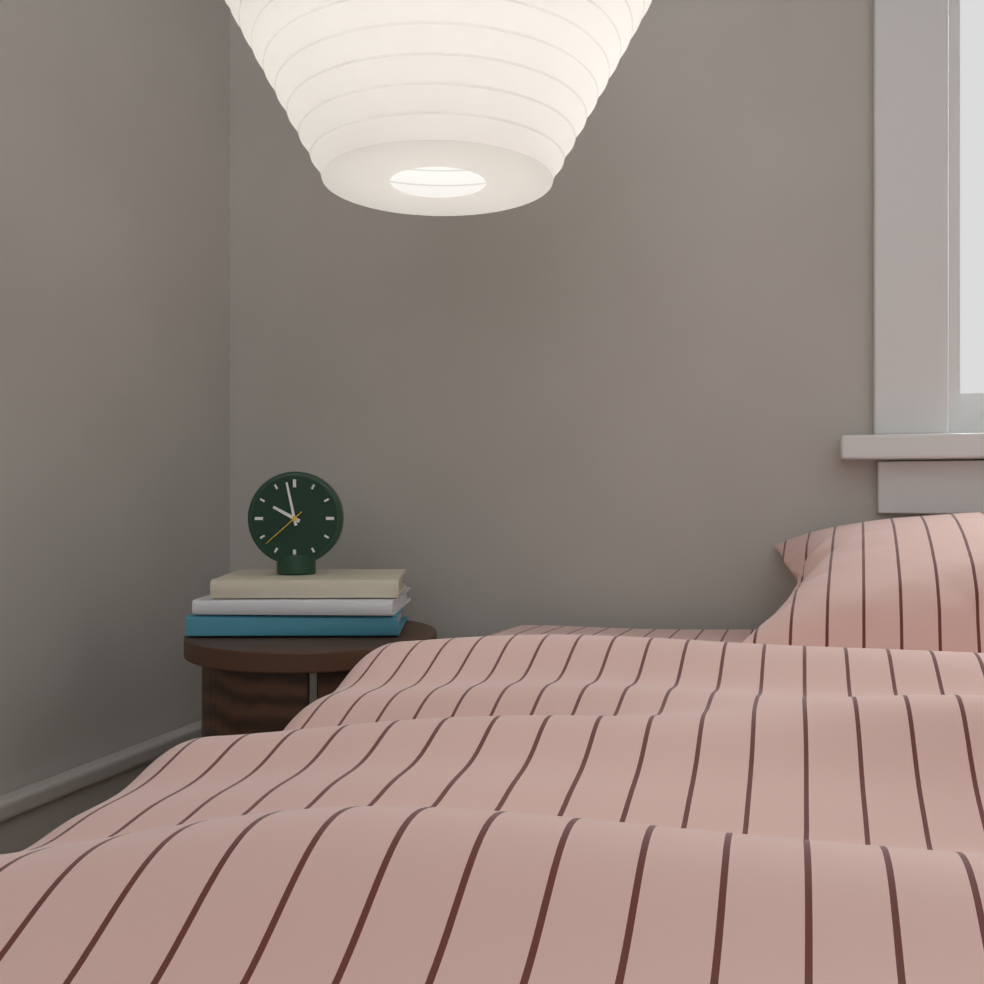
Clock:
9:58:38
